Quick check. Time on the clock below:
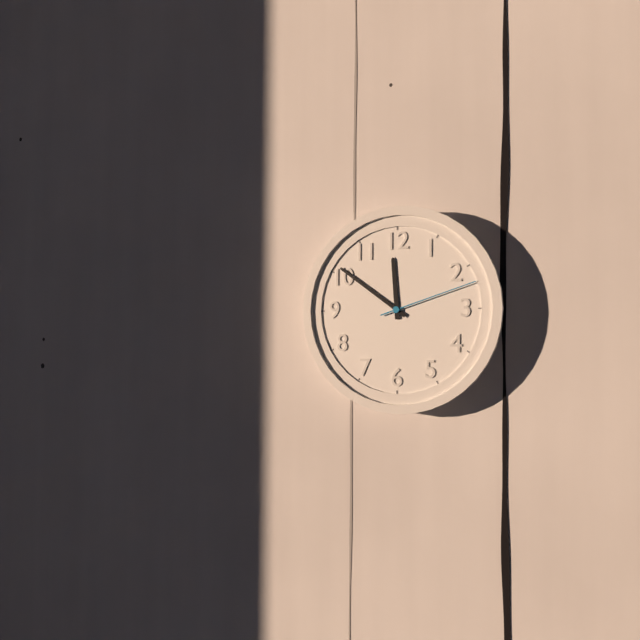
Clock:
11:51:12
